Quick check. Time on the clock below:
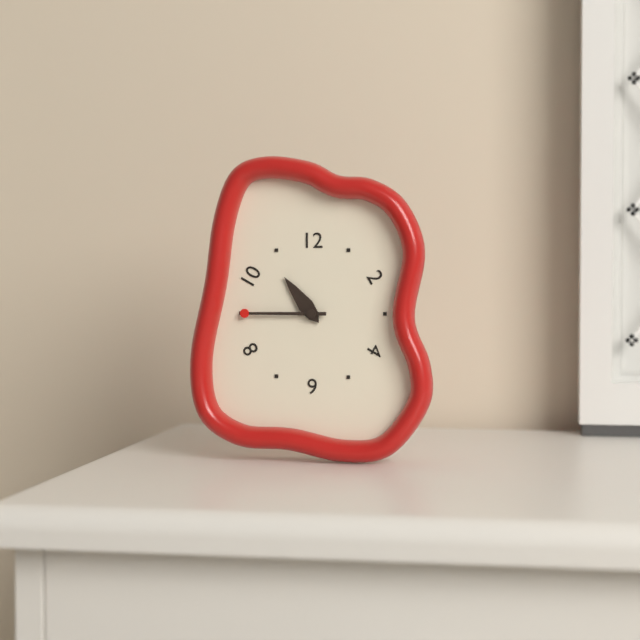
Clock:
10:45
